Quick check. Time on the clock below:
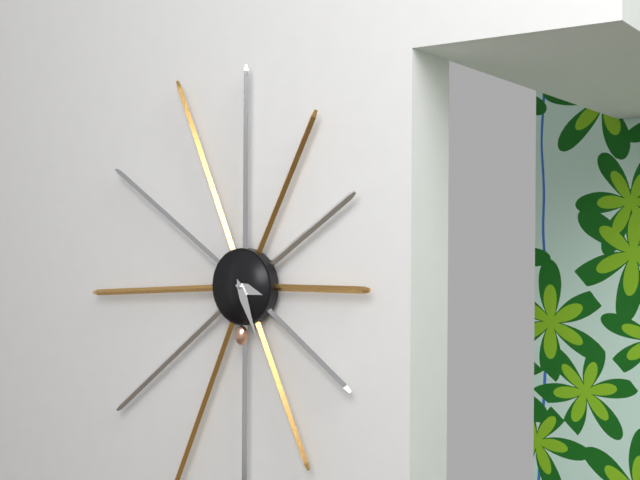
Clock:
3:26
